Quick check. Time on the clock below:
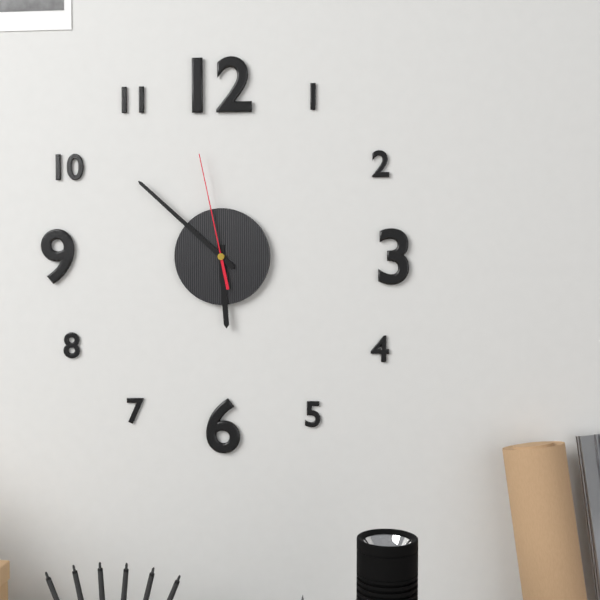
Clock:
5:52:58
